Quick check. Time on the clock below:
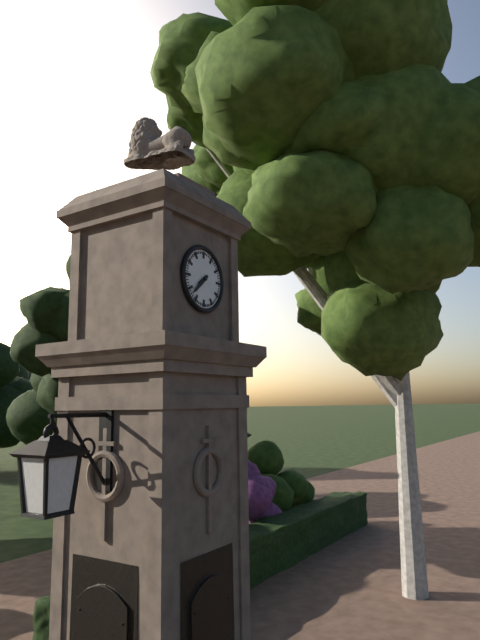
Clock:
7:38
